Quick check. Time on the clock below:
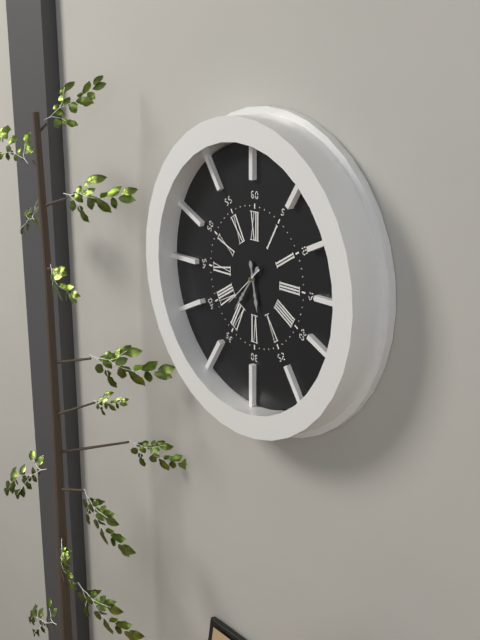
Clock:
5:36
